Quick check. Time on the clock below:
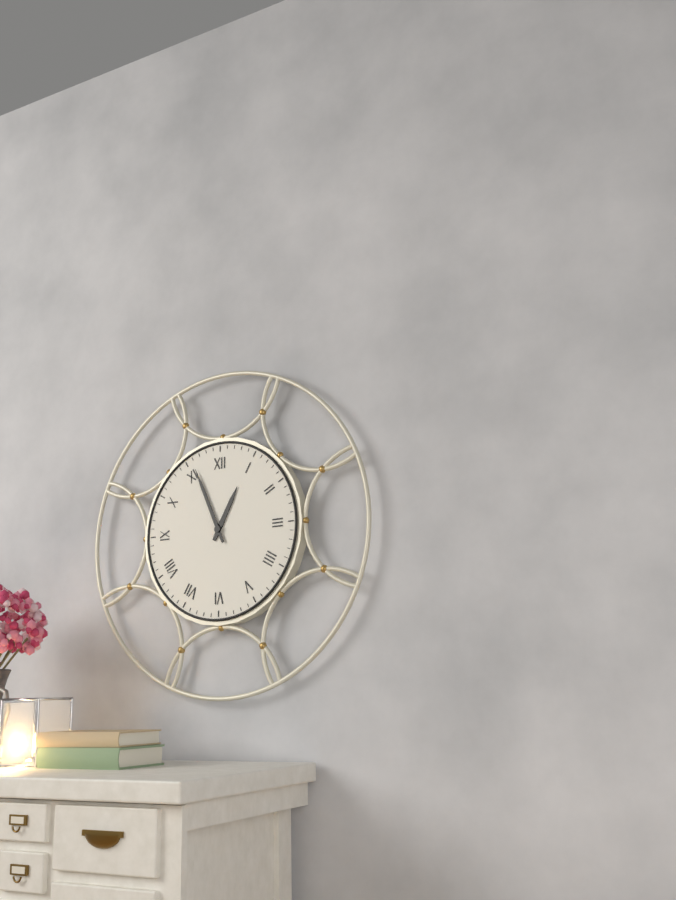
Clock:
12:56
